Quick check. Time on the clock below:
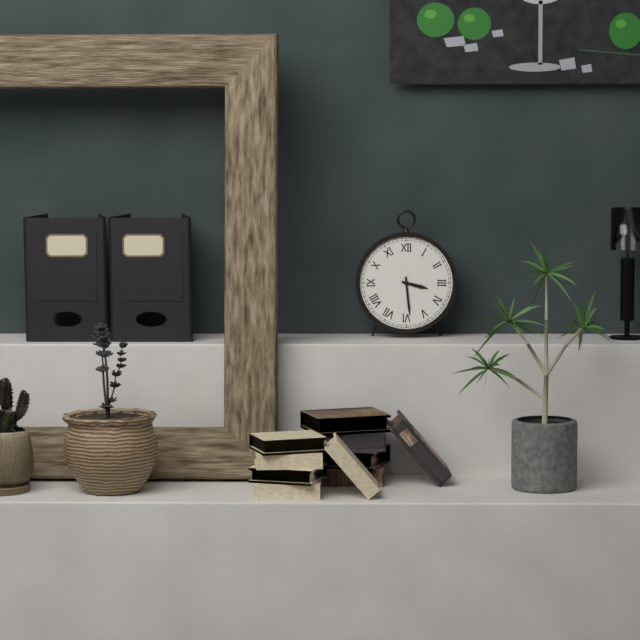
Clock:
3:29
